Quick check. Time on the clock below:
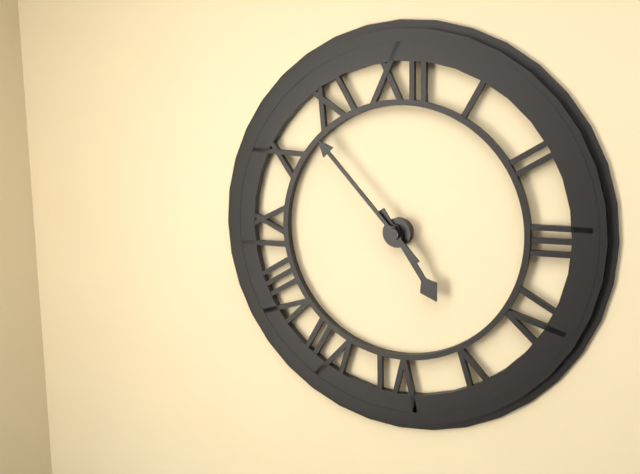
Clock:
4:53
